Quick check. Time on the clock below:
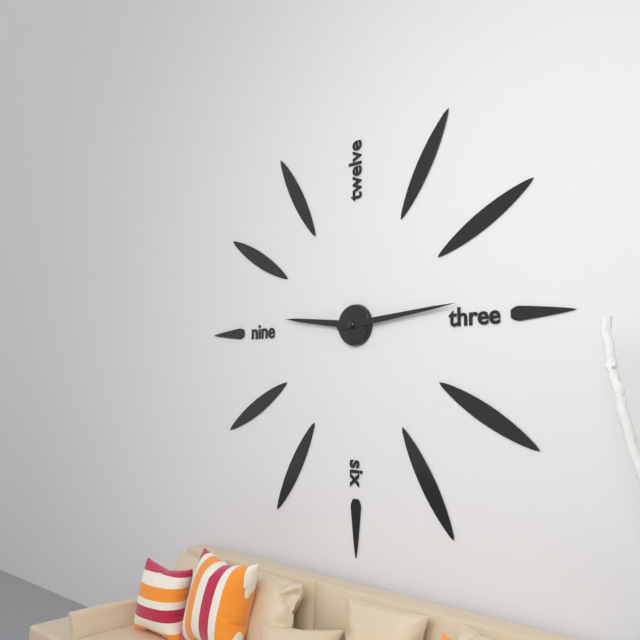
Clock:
9:14
